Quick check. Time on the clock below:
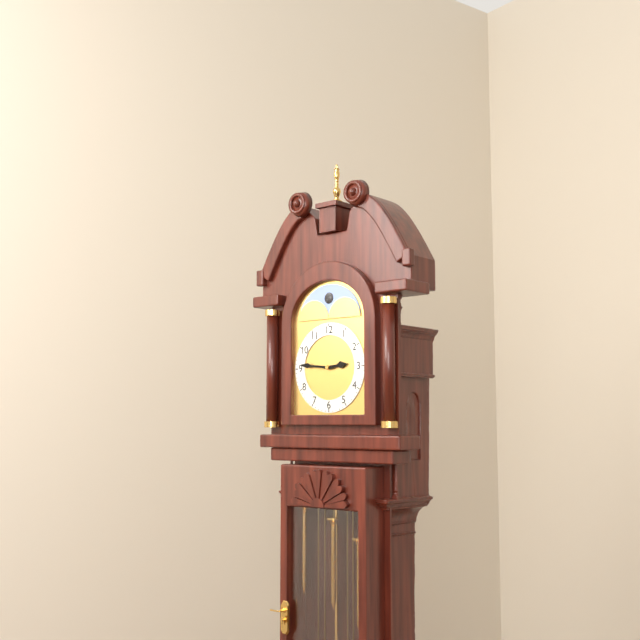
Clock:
2:46
